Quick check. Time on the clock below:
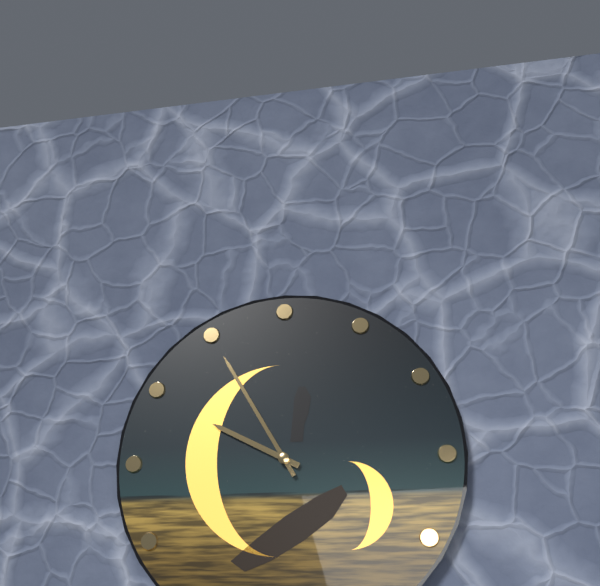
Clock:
9:55
